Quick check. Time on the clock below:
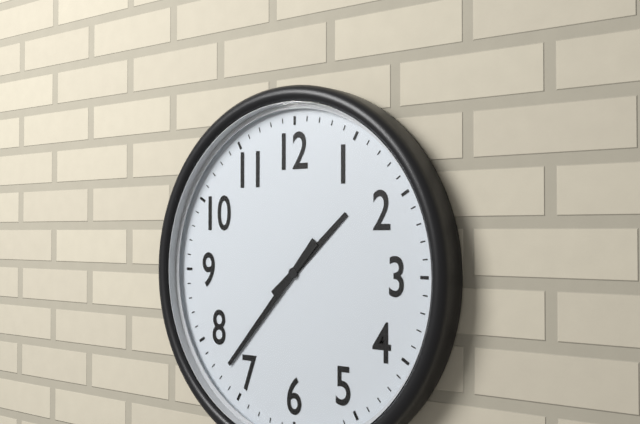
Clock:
1:37
